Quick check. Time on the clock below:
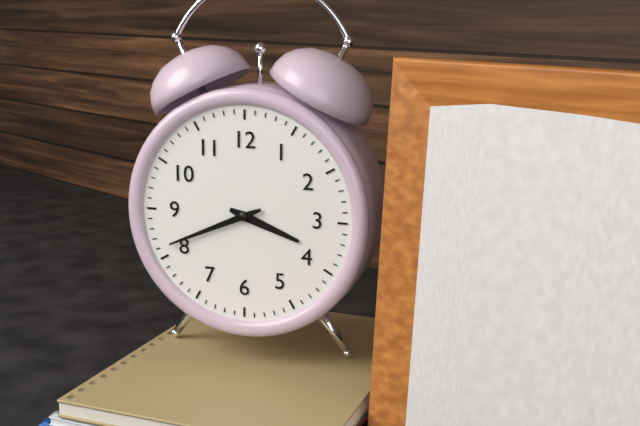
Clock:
3:41
